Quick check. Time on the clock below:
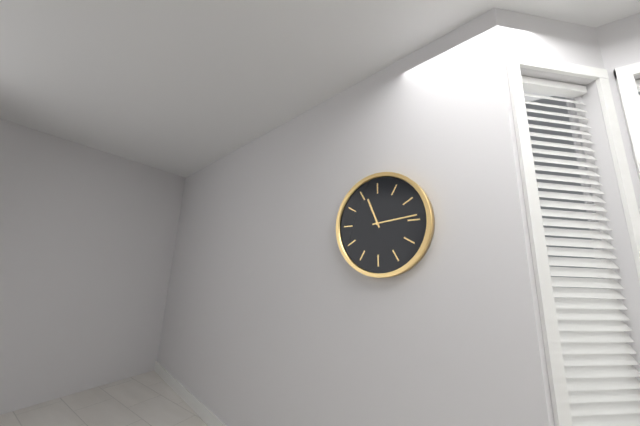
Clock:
11:14
